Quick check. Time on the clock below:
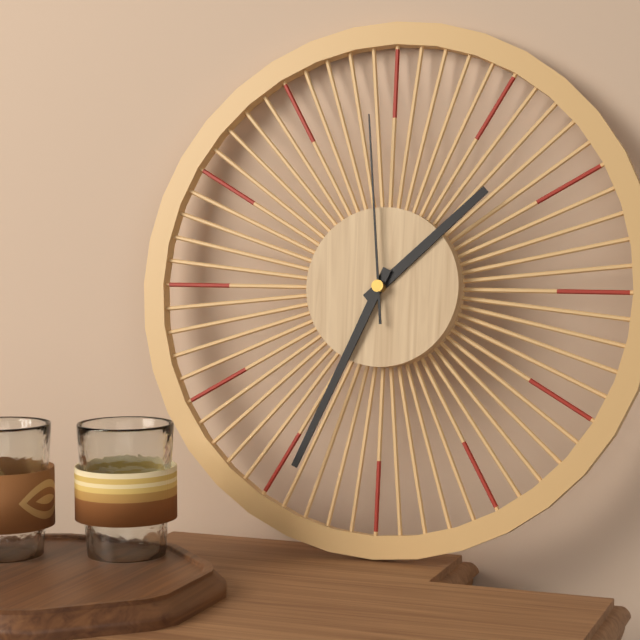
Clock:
1:34:59
